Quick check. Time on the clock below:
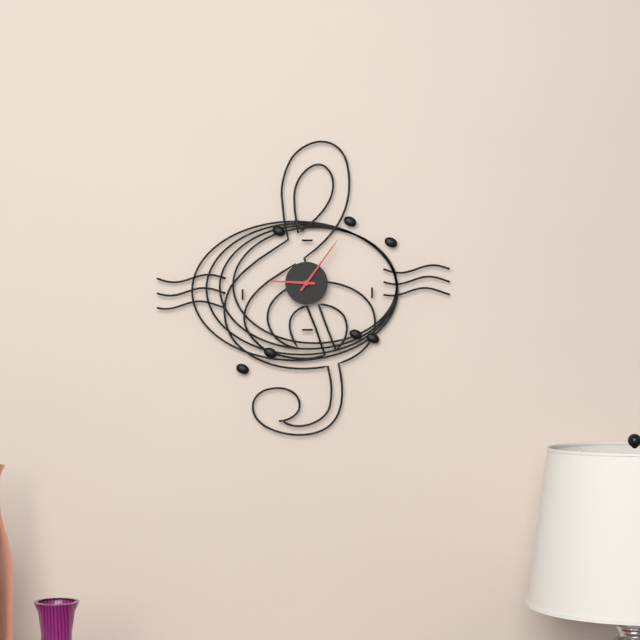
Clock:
9:06
